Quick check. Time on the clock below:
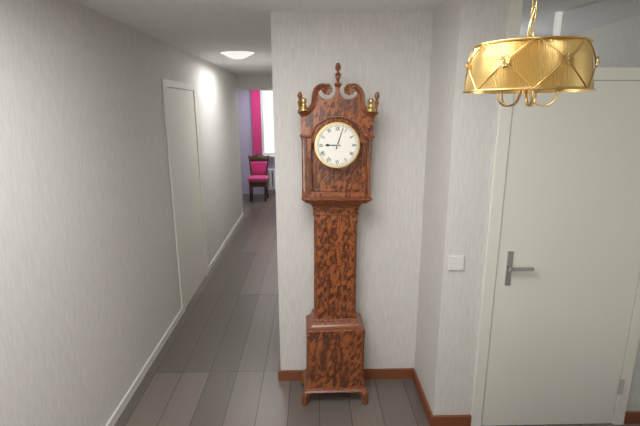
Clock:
9:03
